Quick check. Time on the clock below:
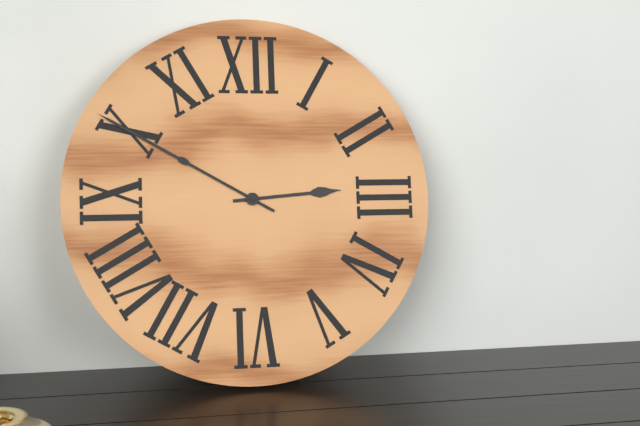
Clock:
2:50
